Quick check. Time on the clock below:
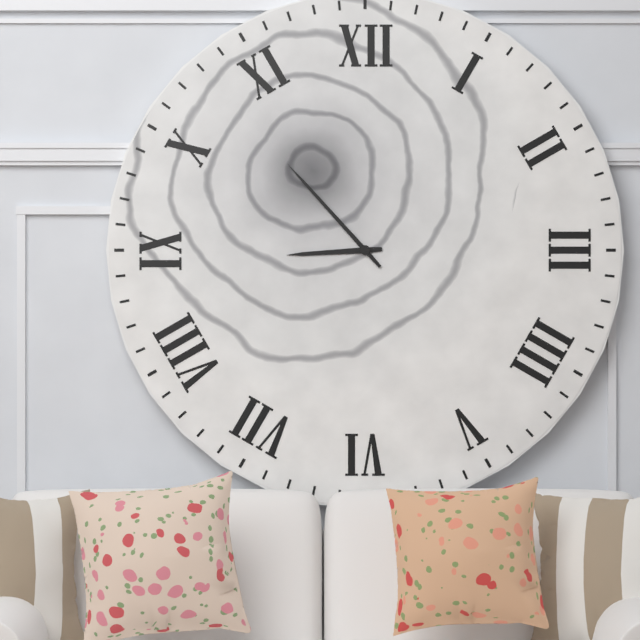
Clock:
8:53
